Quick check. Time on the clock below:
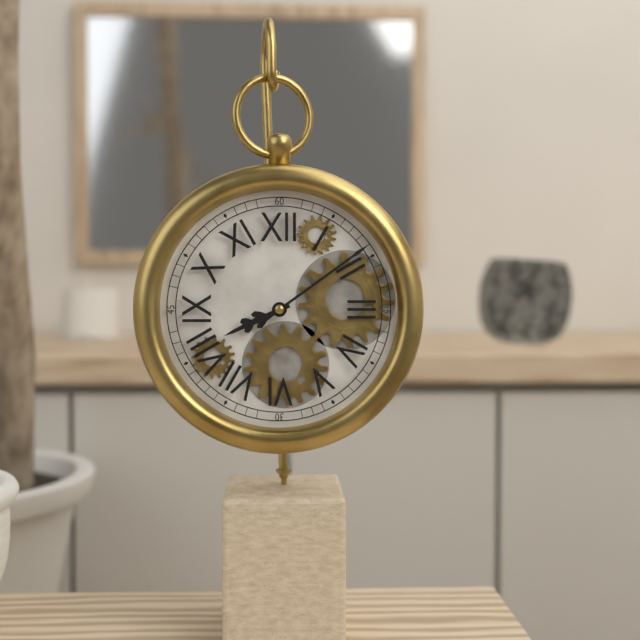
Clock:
8:09
